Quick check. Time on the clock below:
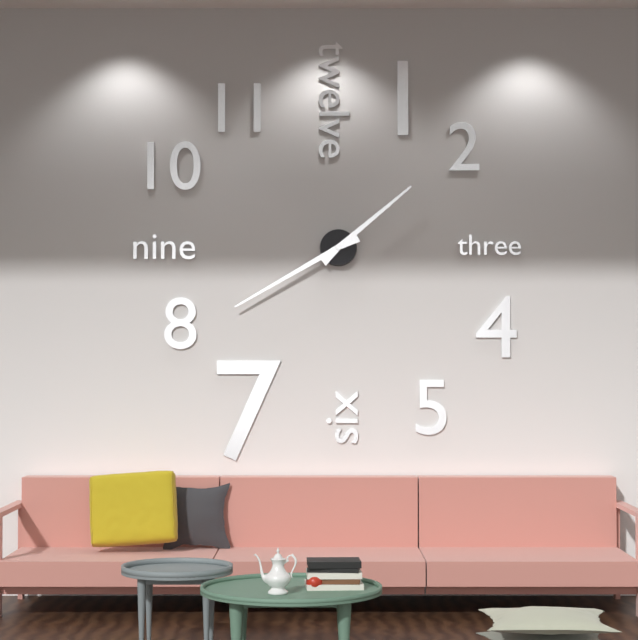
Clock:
1:40
